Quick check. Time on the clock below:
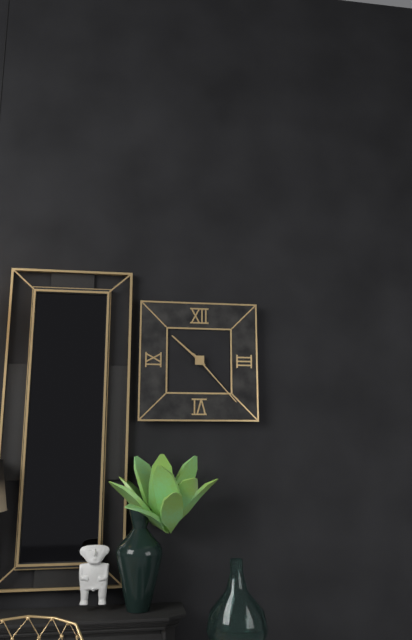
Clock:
10:23
